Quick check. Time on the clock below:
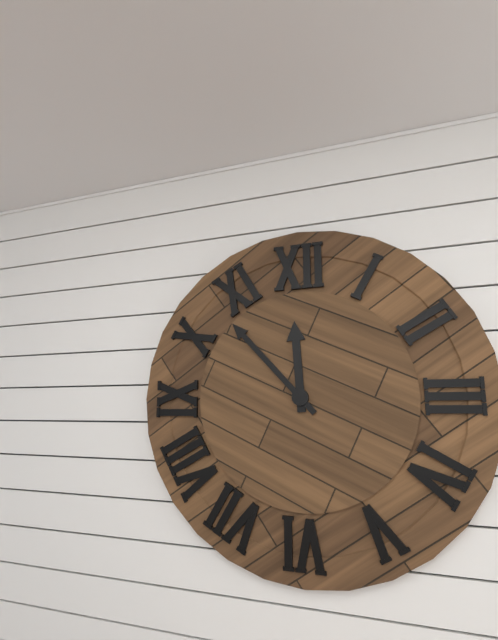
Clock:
11:53
